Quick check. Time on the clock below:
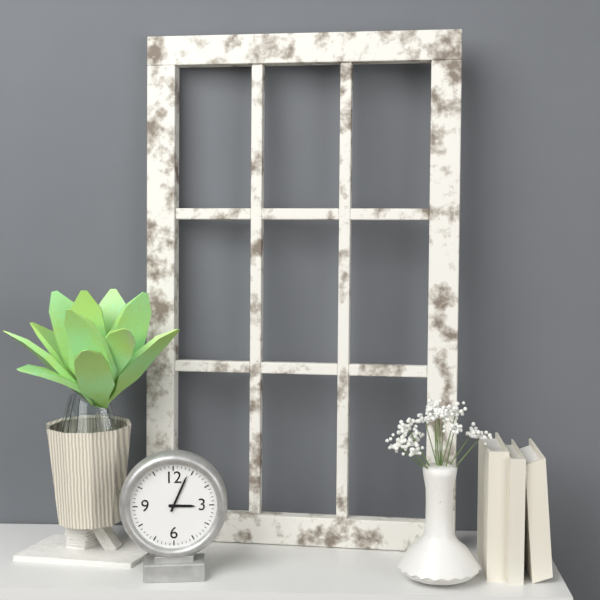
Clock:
3:04
